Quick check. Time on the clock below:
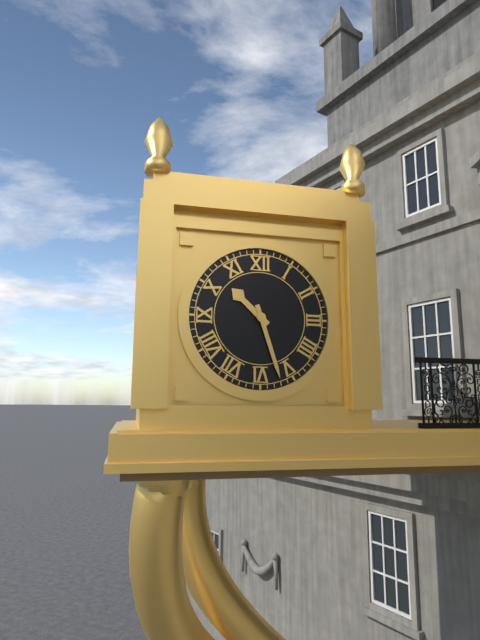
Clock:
10:27
